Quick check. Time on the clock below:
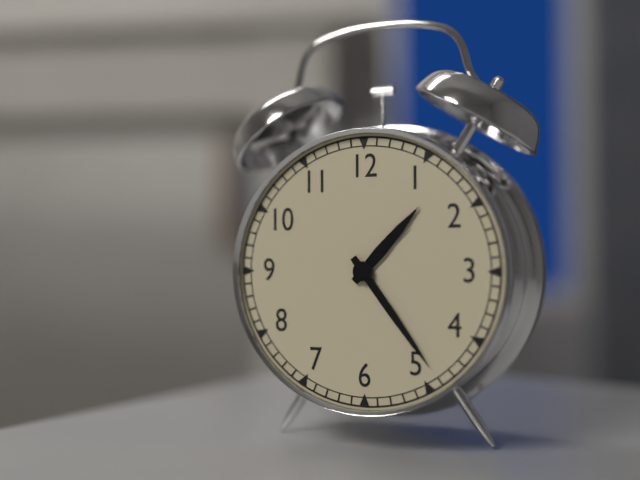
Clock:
1:24
